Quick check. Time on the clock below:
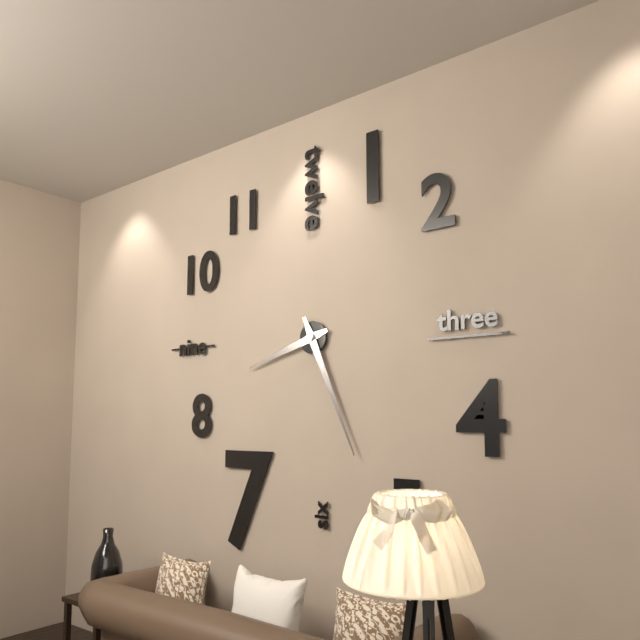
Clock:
8:26
